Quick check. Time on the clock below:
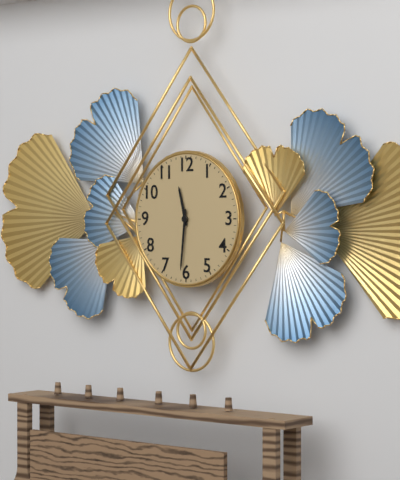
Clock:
11:31
